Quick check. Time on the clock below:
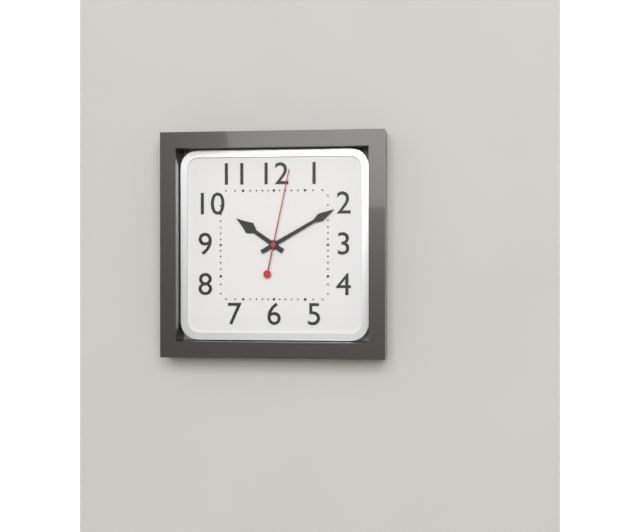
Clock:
10:10:02
